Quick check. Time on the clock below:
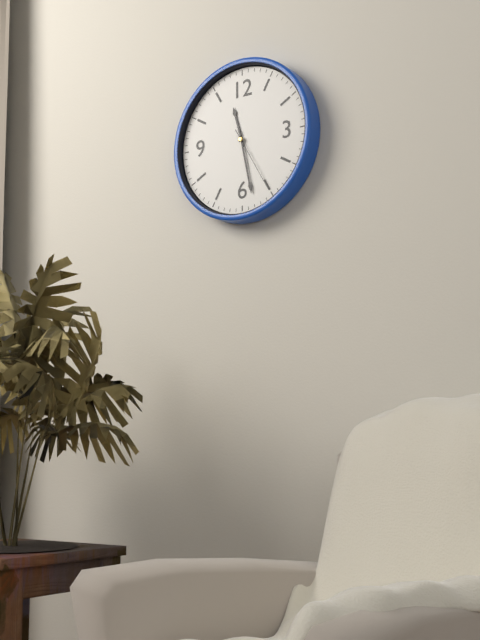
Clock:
11:28:25
